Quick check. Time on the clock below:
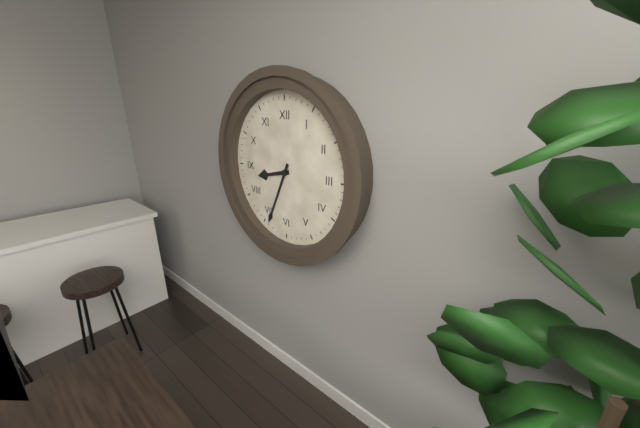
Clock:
8:34
